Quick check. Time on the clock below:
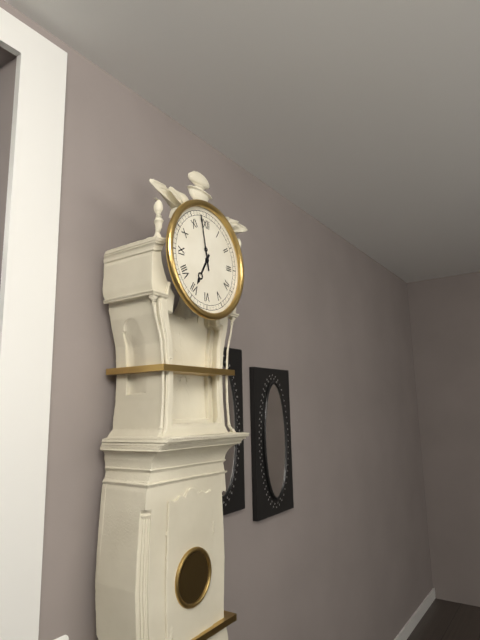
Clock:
6:58
